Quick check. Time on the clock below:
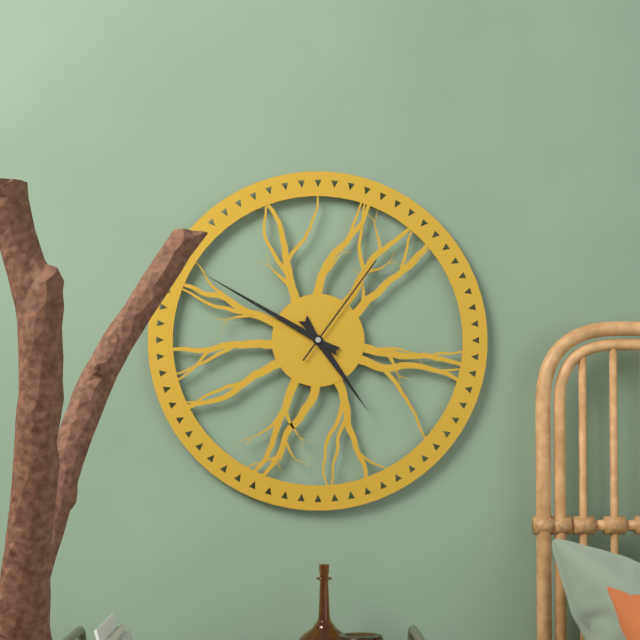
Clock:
4:50:06
